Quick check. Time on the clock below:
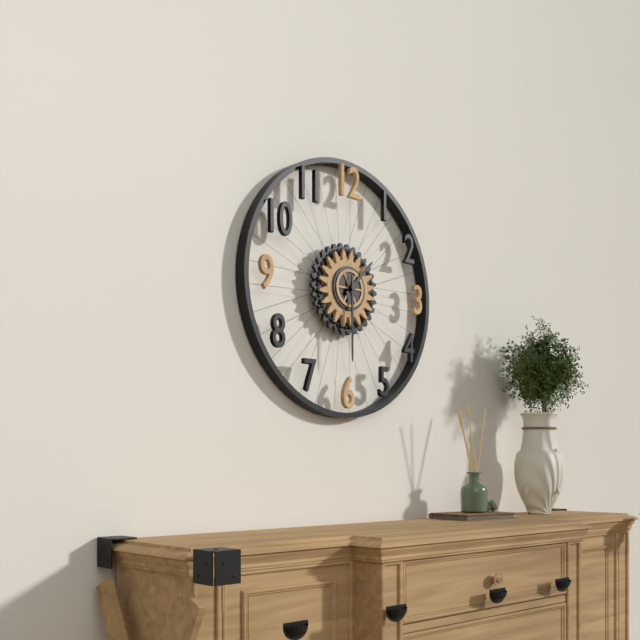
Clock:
1:30
